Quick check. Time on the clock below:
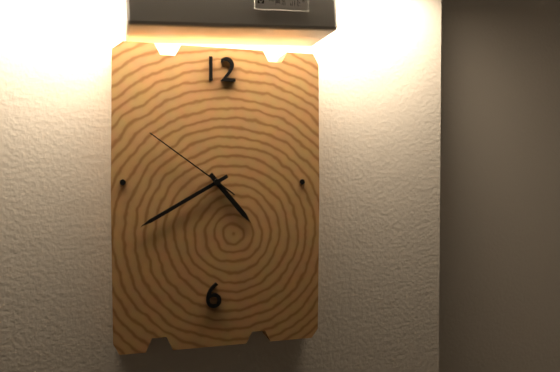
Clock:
4:40:51
